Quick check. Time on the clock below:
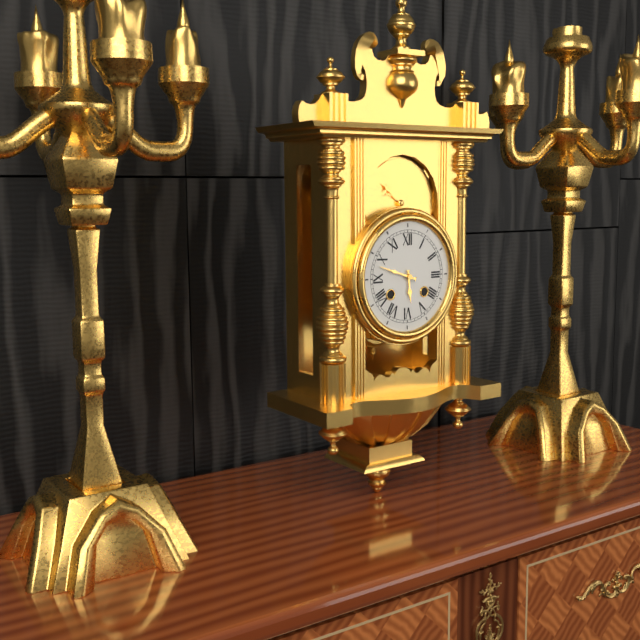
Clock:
5:48
